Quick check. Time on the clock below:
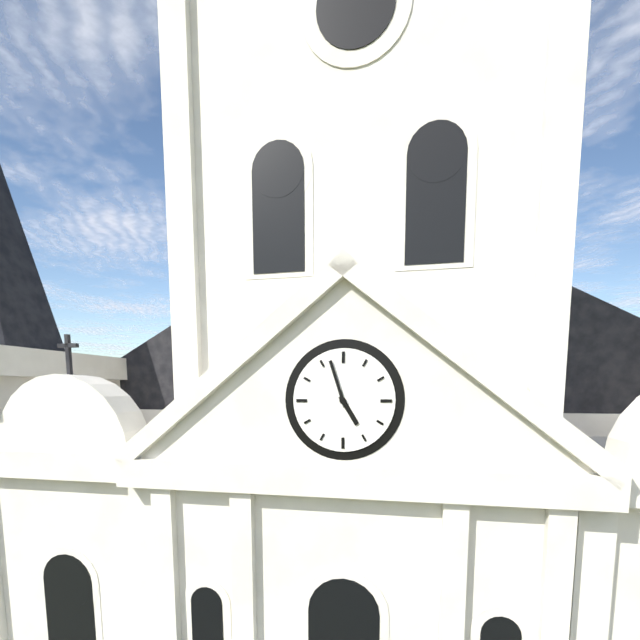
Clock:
4:57
